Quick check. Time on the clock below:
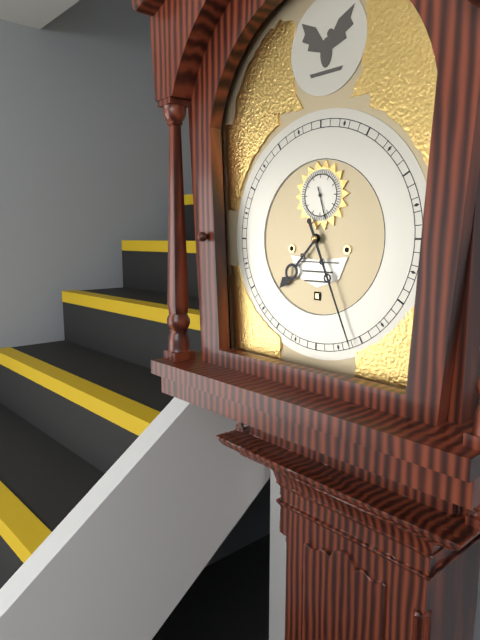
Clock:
7:26
